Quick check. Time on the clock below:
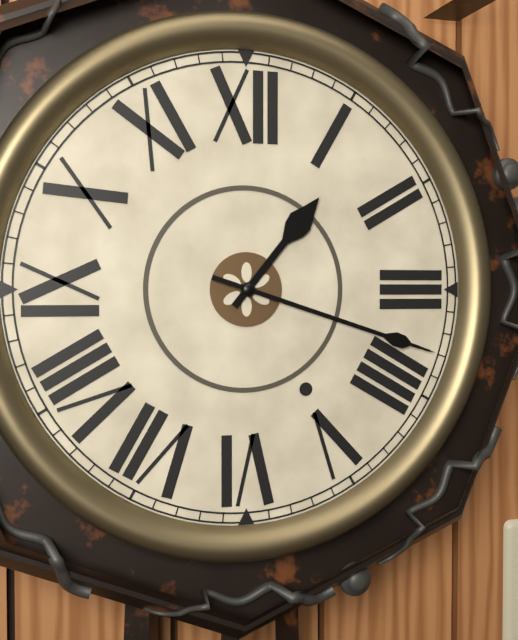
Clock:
1:18
